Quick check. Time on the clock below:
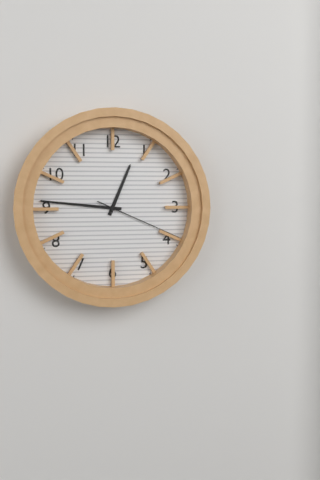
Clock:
12:46:19
